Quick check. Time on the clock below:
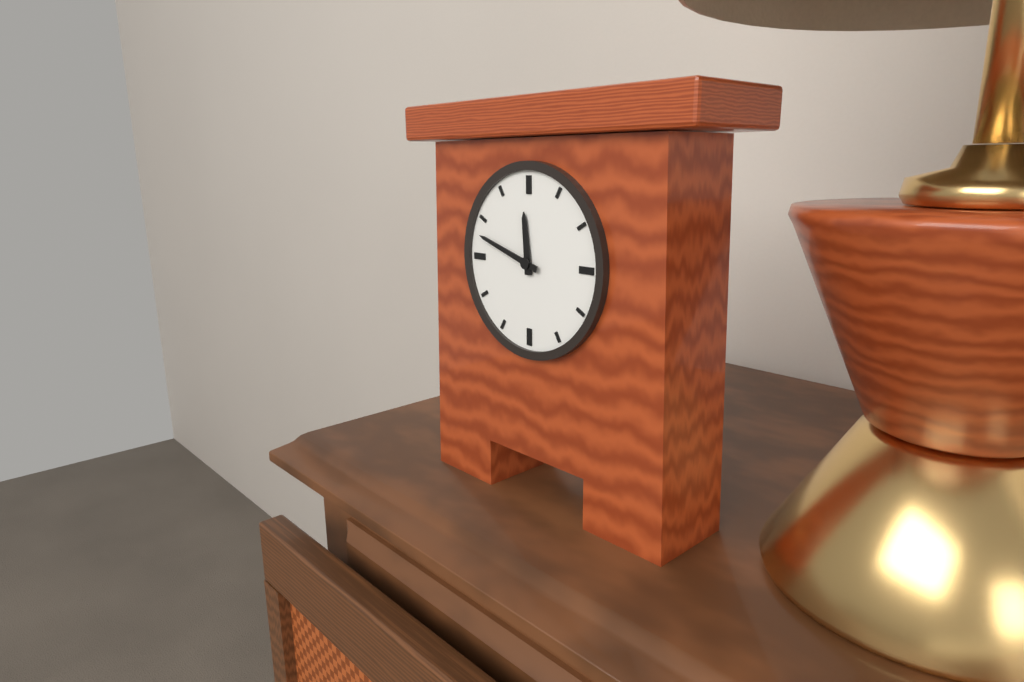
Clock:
11:48
